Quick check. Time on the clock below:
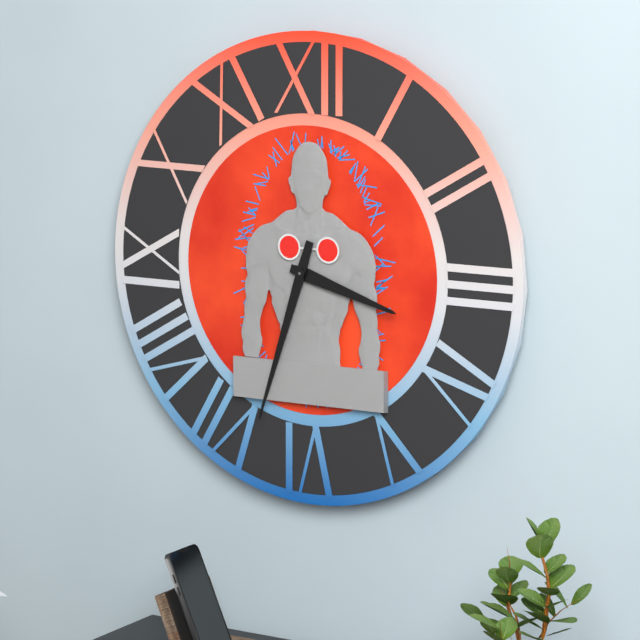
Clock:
3:33
